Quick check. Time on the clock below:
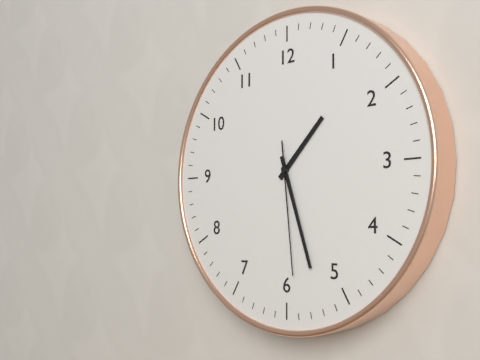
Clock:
1:27:29
